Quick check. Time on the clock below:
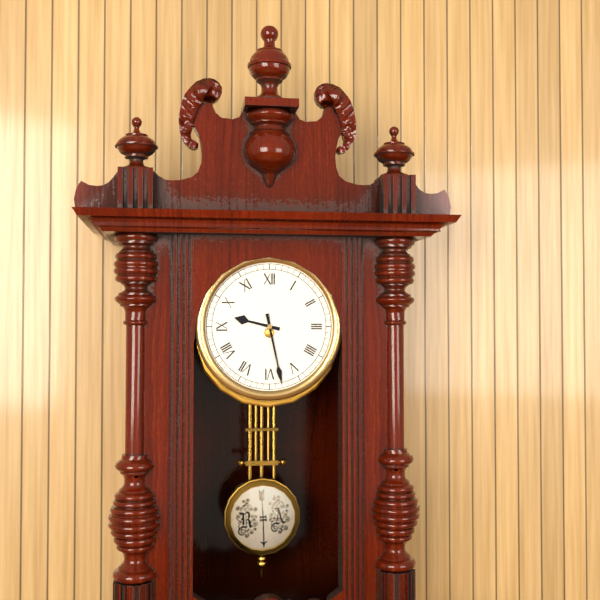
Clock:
9:28
